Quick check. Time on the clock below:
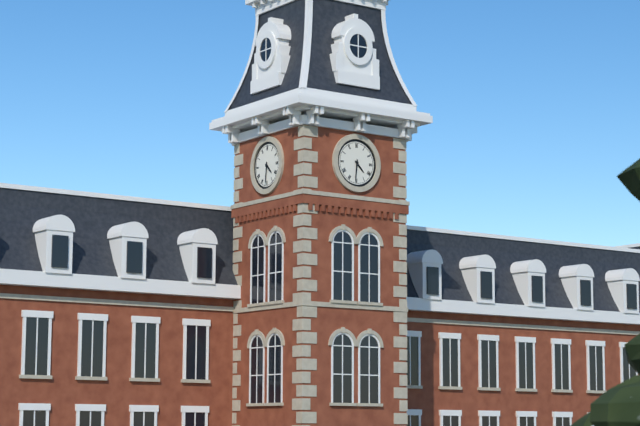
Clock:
4:31
